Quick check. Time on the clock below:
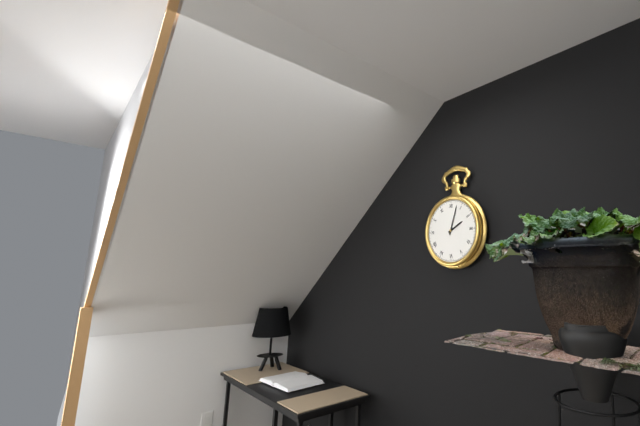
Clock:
2:03
